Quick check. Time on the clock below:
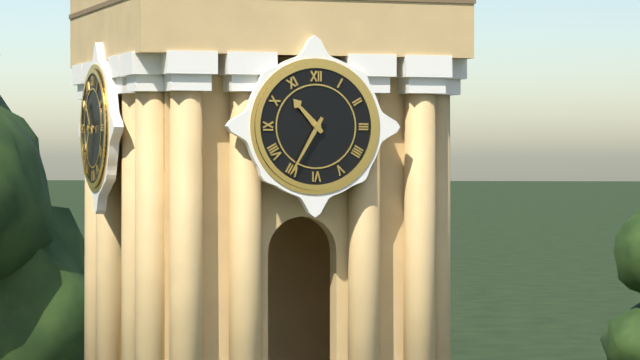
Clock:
10:35
